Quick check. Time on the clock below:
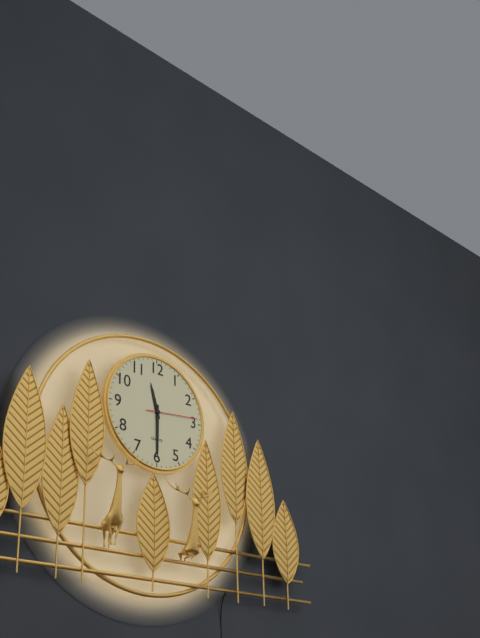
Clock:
11:30
